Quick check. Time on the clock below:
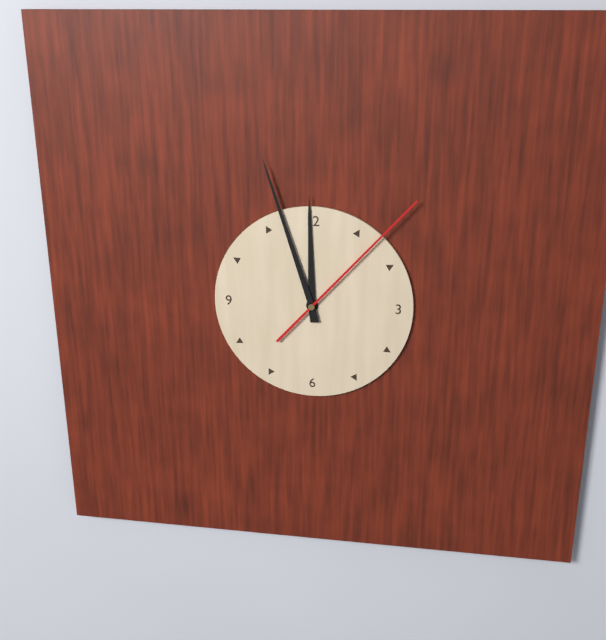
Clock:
11:57:07
